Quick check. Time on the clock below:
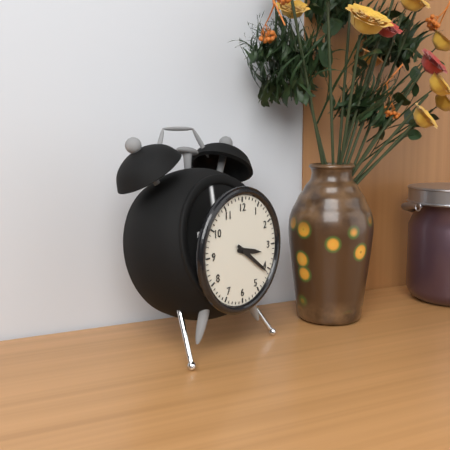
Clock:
3:21
